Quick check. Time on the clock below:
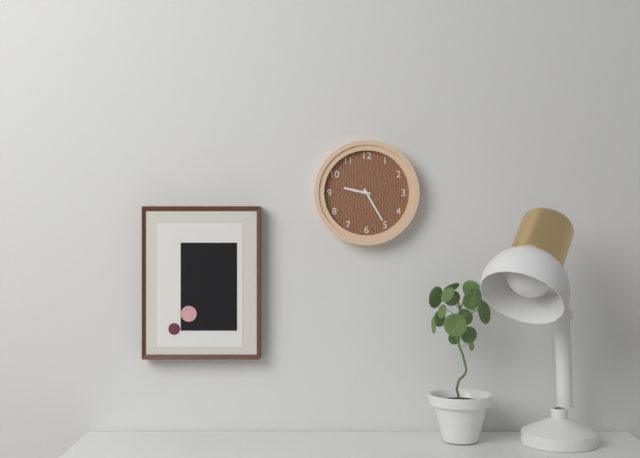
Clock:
9:25
